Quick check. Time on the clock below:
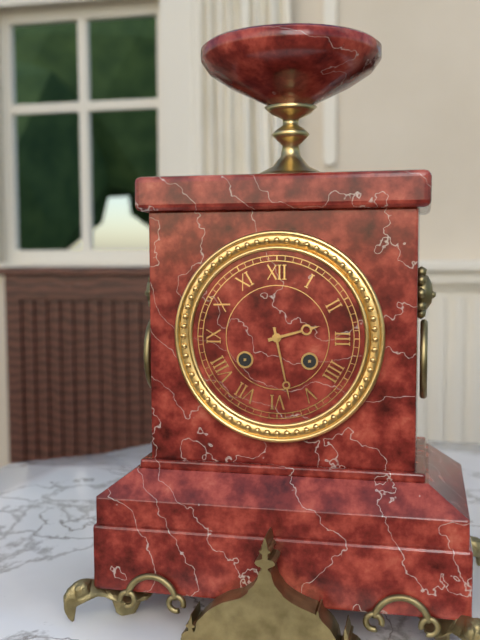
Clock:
2:28
